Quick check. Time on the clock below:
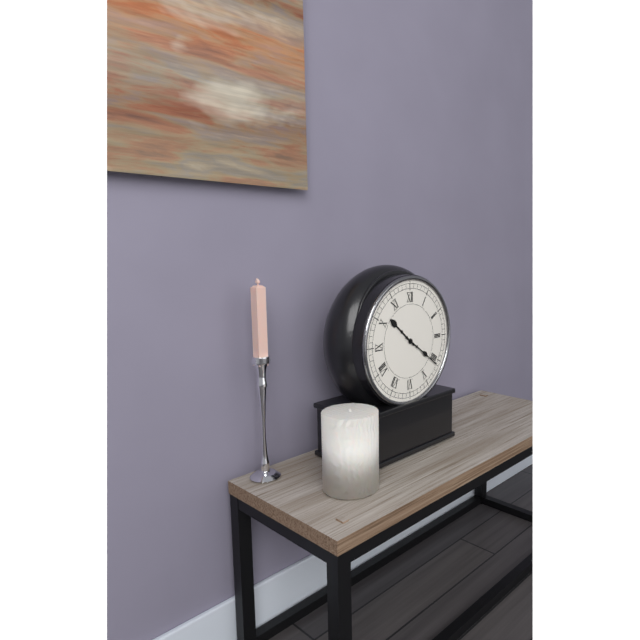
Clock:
10:21
